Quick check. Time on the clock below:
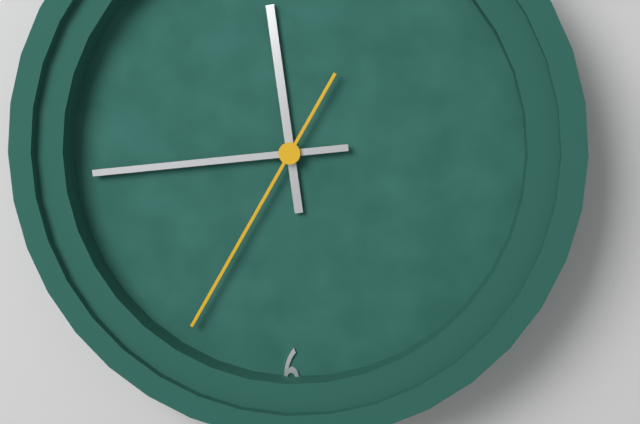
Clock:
11:44:35
